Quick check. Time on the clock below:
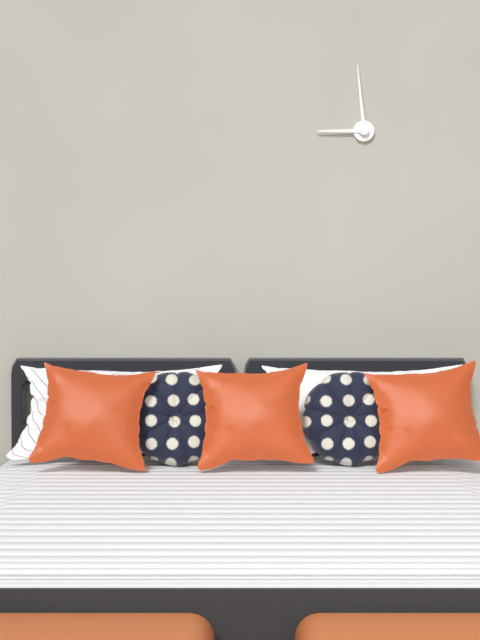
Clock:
8:59
